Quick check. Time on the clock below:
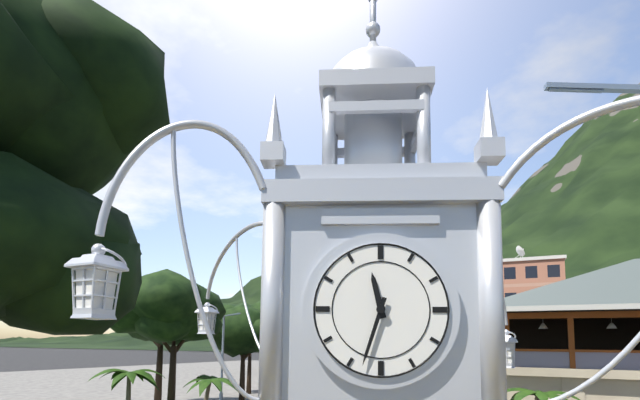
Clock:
11:33
